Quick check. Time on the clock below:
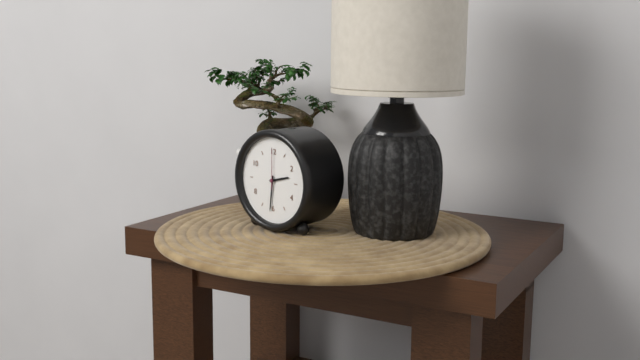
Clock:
2:31
